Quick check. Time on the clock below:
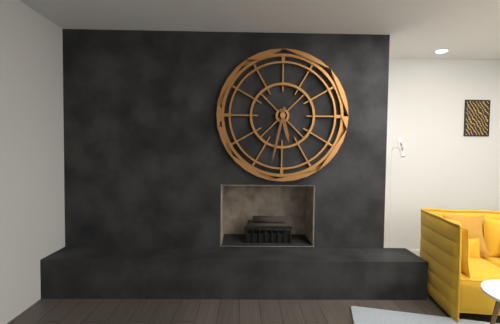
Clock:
5:32
